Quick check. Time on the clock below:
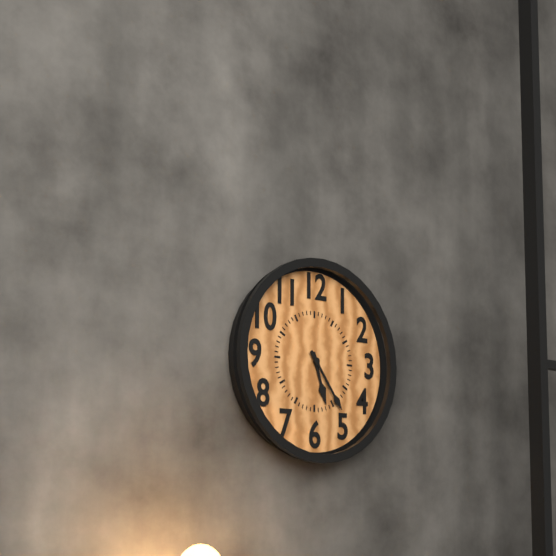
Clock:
5:24
